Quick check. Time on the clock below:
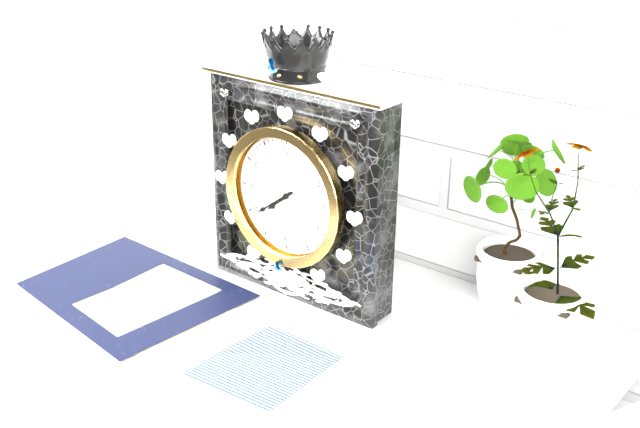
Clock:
7:39
